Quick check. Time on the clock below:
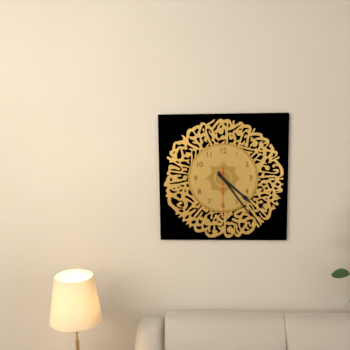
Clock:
4:24:30
